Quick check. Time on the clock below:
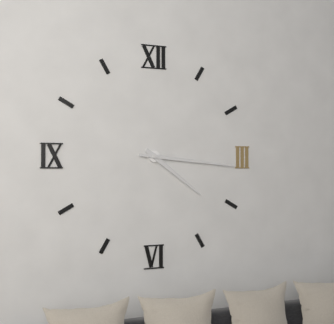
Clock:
4:16
